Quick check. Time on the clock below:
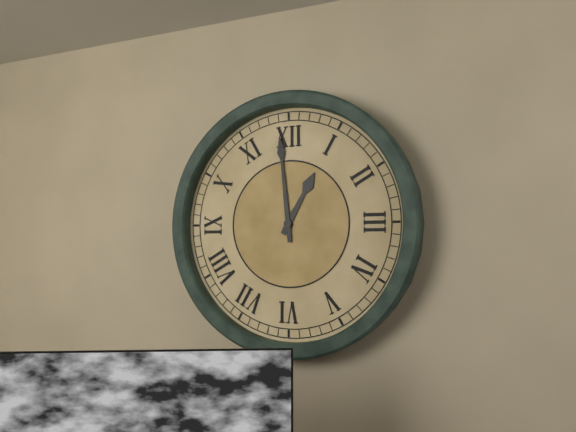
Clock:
12:59
